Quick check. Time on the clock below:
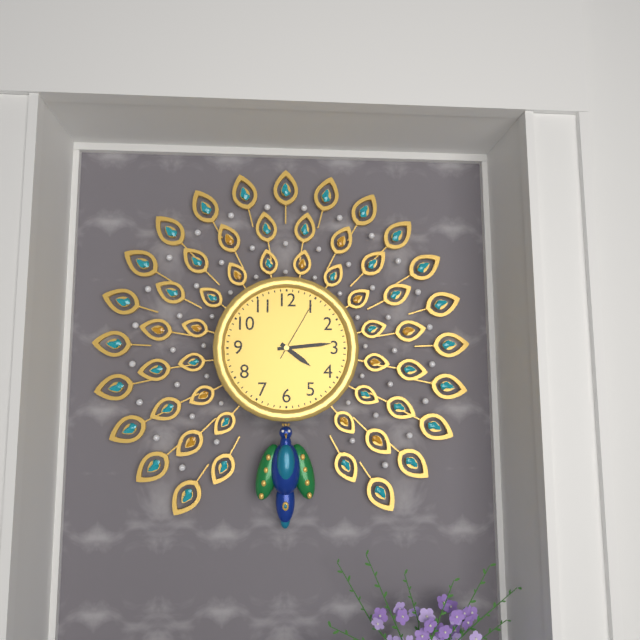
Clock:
4:14:05
